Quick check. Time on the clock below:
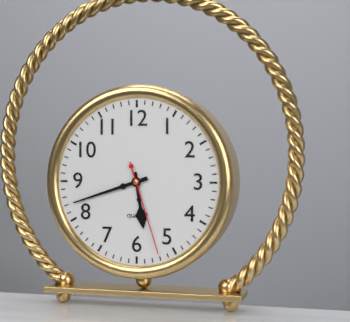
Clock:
5:42:27
